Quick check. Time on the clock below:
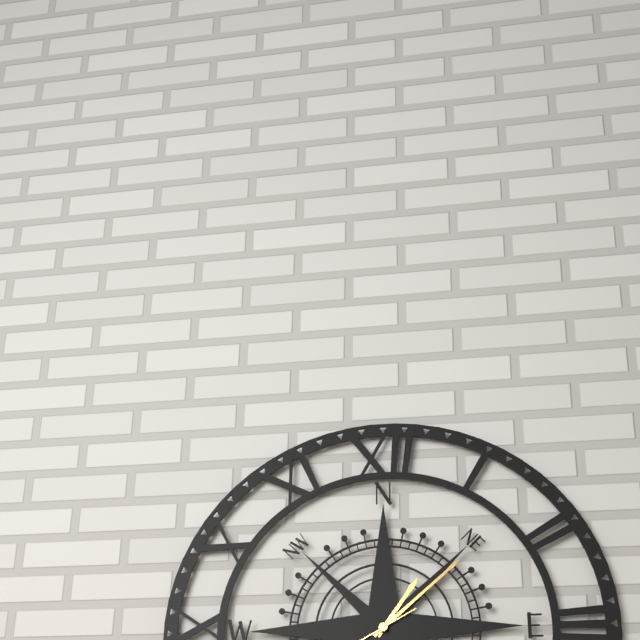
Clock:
1:08
